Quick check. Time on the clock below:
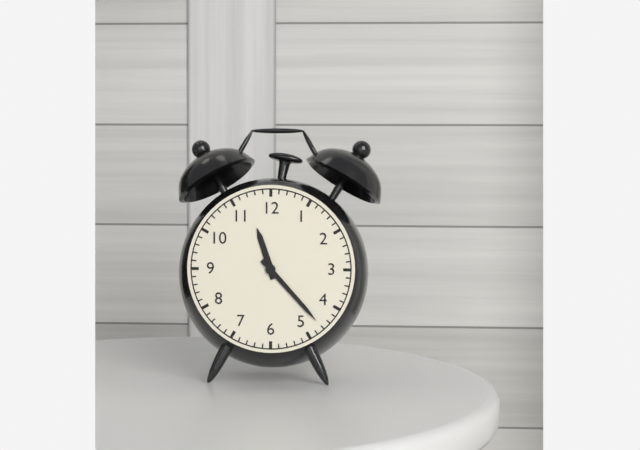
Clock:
11:23
